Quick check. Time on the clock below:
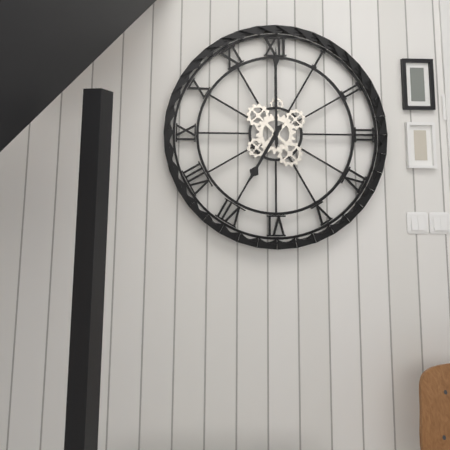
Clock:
7:00
